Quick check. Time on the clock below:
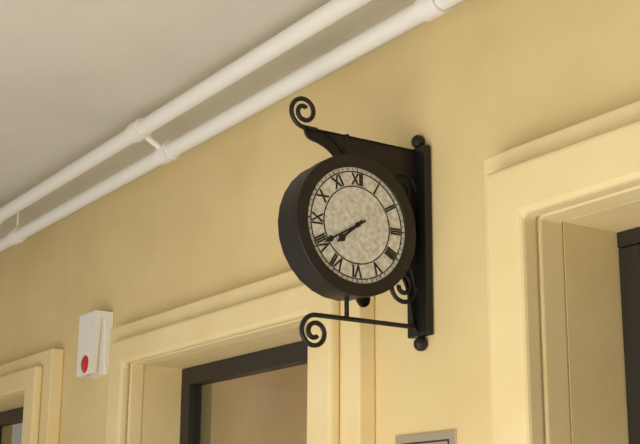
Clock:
7:40
